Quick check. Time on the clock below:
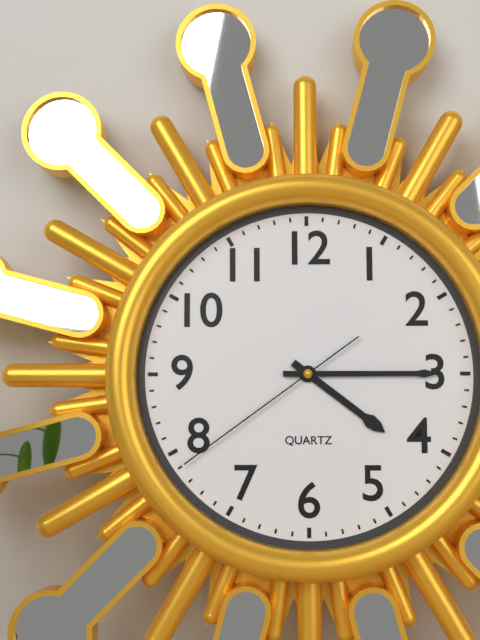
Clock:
4:15:39
